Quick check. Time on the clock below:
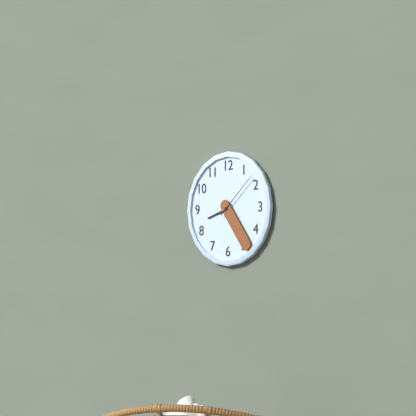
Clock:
8:24:08
